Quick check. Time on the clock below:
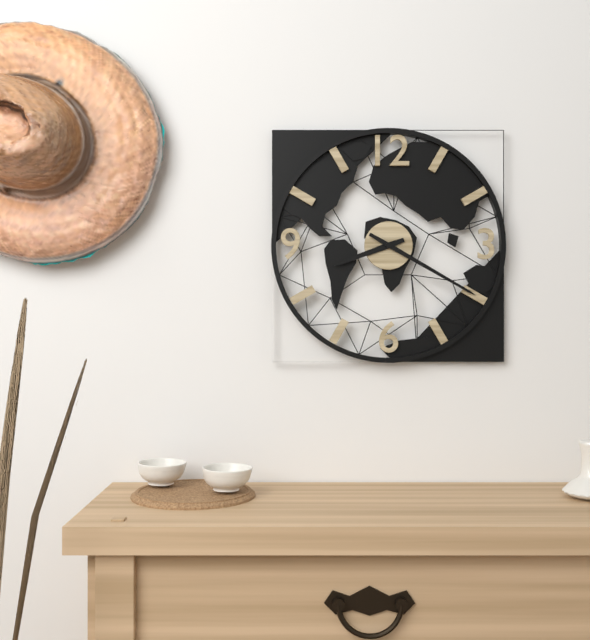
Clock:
8:20
